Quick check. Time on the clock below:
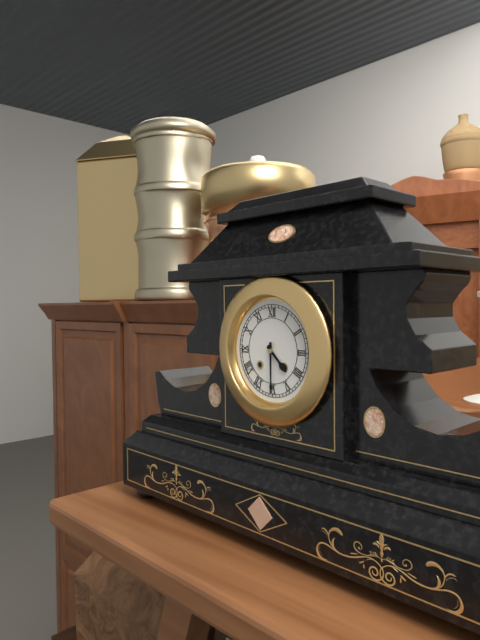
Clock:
4:30
